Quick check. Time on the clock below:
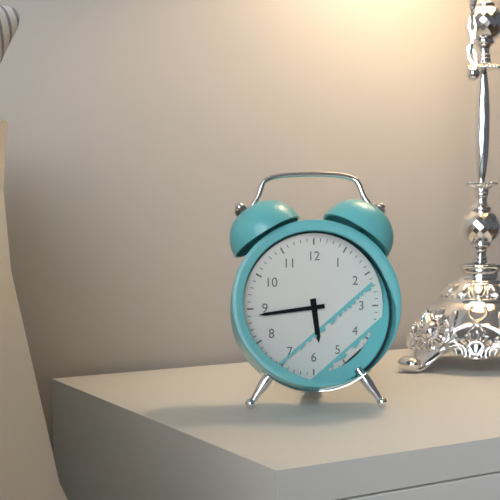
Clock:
5:44
